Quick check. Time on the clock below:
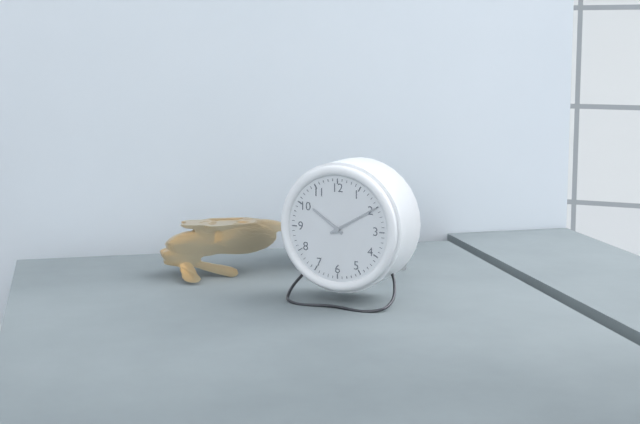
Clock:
10:10
